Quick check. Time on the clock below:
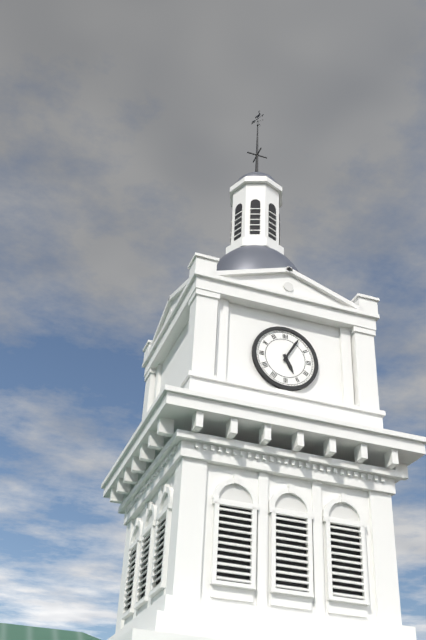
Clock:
5:05
